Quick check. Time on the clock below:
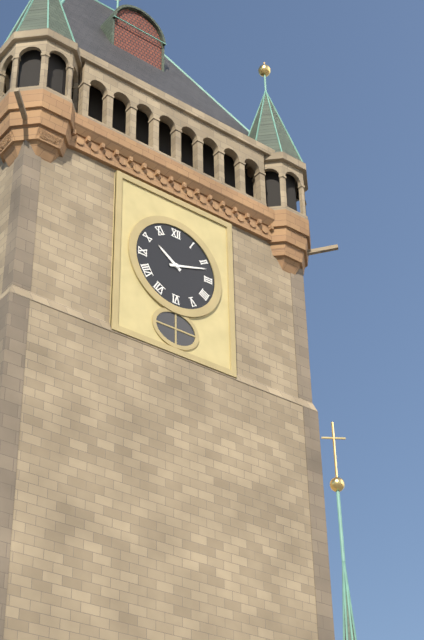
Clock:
10:12
